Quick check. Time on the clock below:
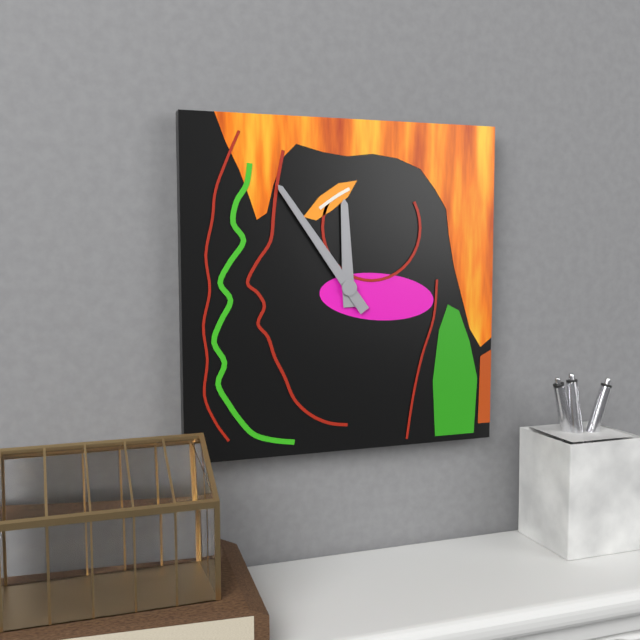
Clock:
11:54
